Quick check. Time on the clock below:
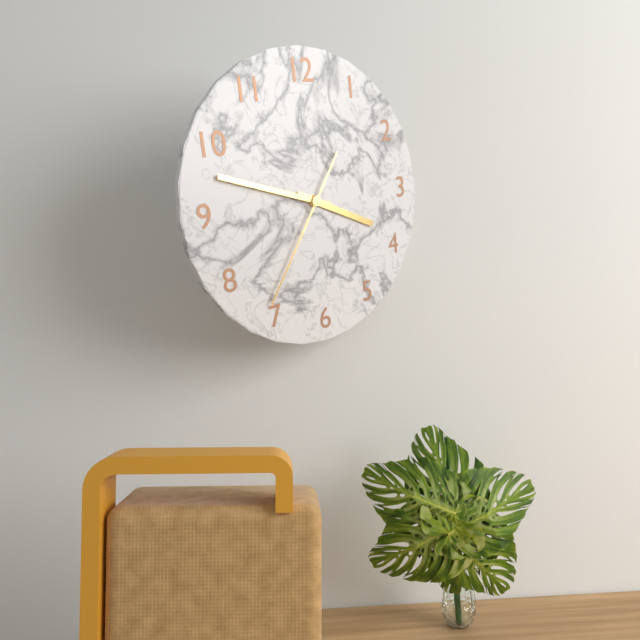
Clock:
3:48:36
